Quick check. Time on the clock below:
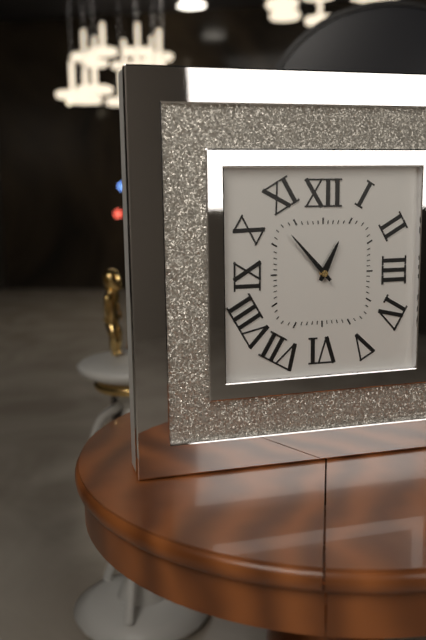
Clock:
12:53
